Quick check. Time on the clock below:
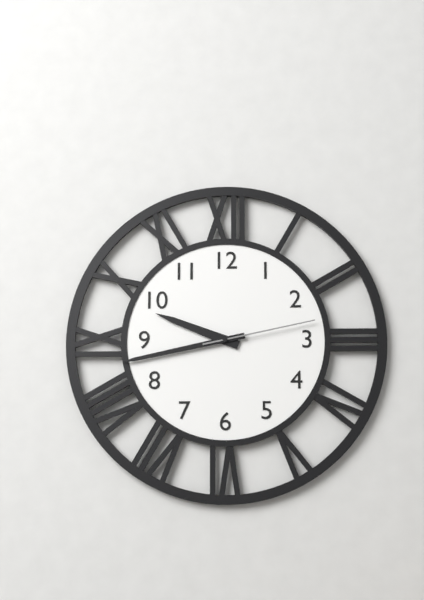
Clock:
9:43:13
